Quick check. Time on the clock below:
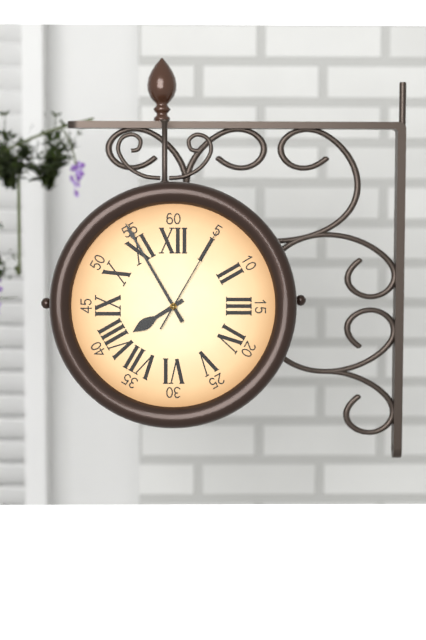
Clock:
7:55:05
